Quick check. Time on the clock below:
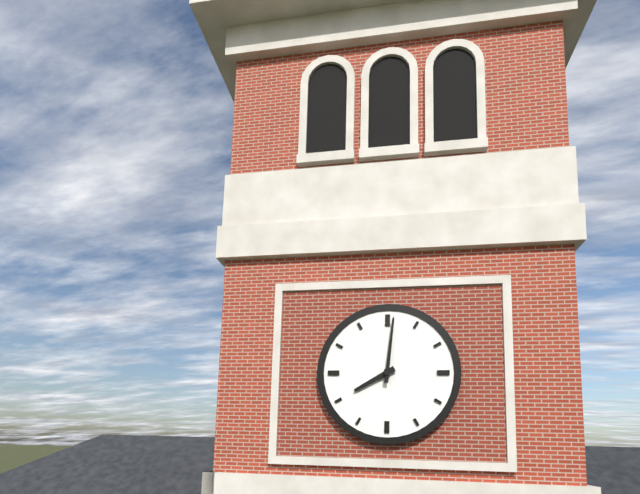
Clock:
8:01
